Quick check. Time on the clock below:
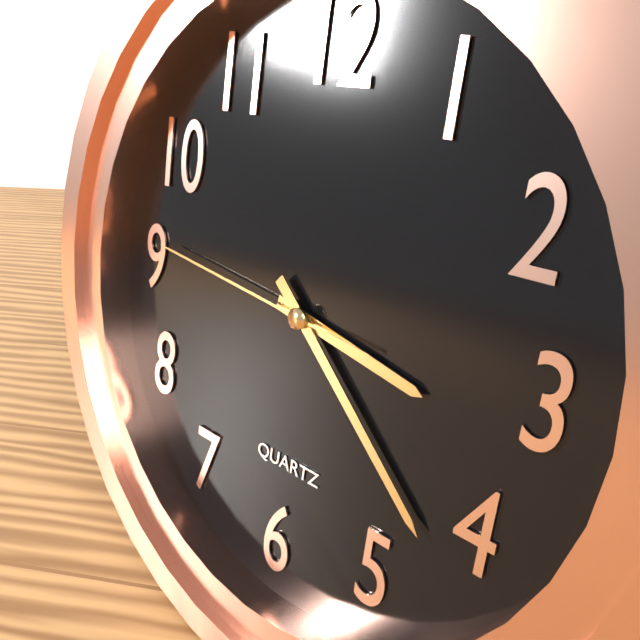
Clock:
3:22:46
